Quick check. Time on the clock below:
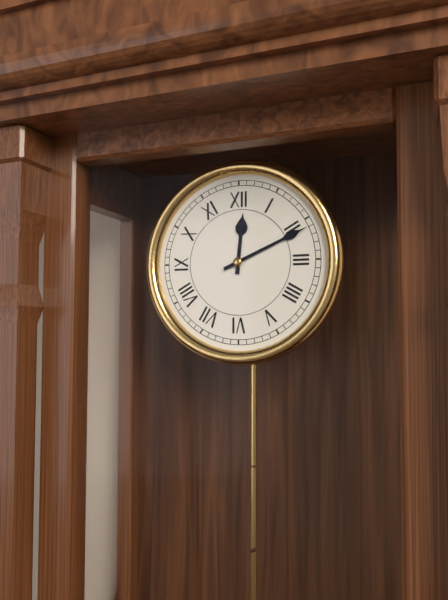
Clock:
12:11
